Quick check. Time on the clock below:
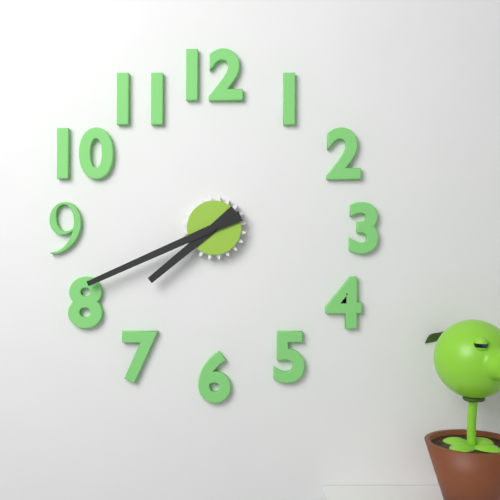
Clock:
7:41
